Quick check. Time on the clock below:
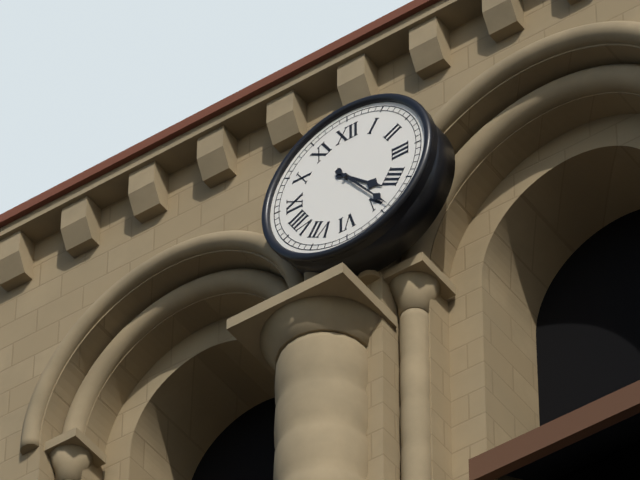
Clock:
4:24
